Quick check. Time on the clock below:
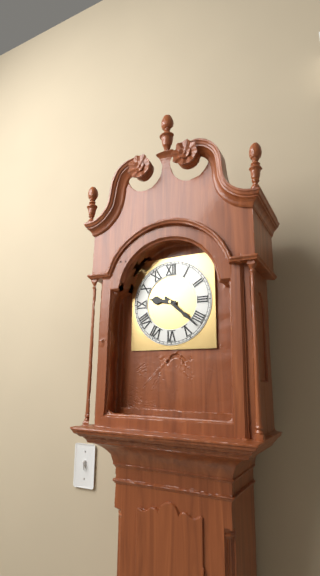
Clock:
9:22
